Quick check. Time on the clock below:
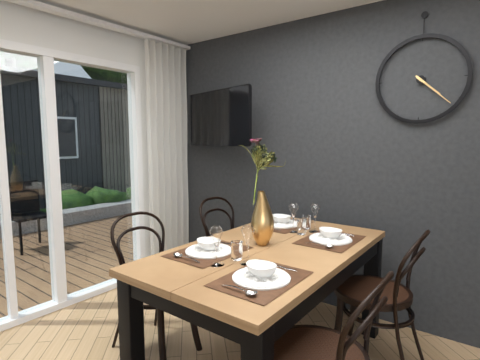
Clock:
4:22
